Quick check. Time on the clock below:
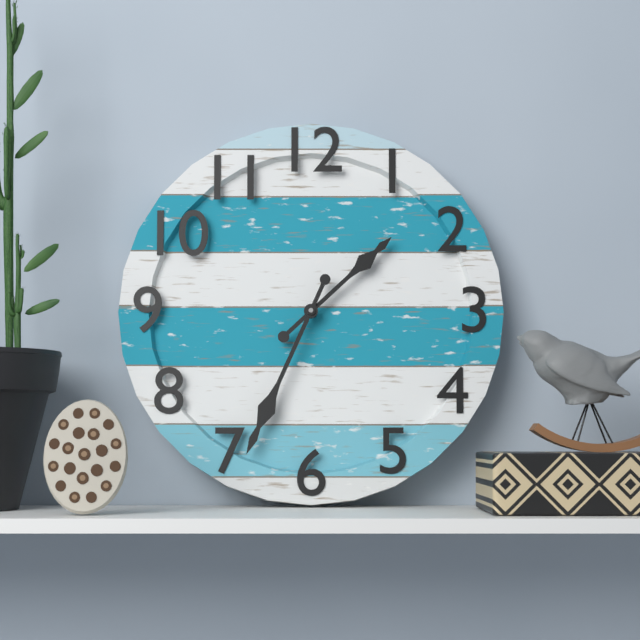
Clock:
1:34
